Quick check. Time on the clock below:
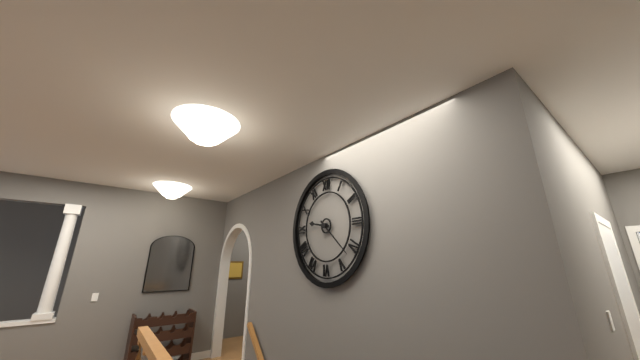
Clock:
9:22
